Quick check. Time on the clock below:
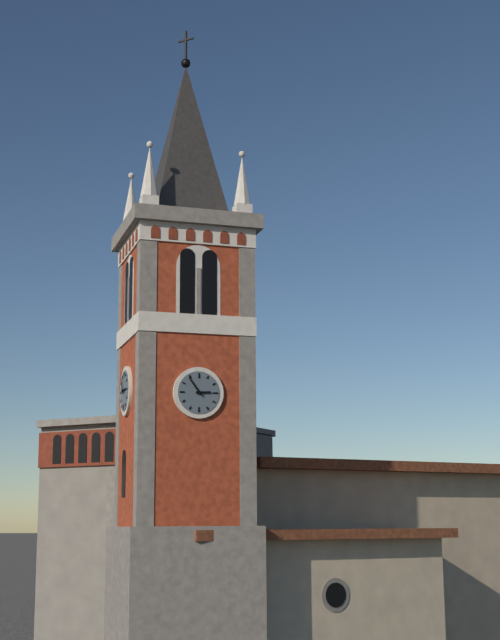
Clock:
2:54
